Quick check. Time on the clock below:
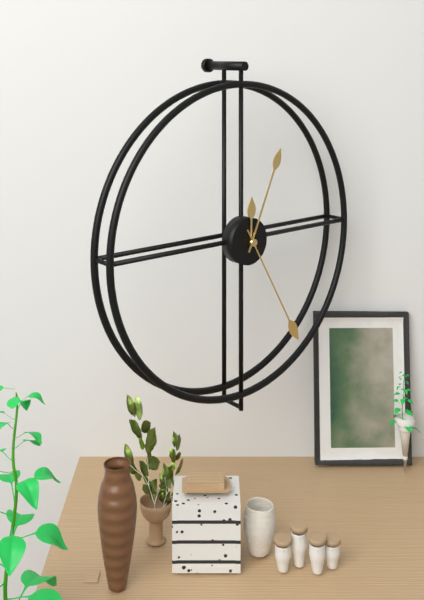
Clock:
12:04:25
